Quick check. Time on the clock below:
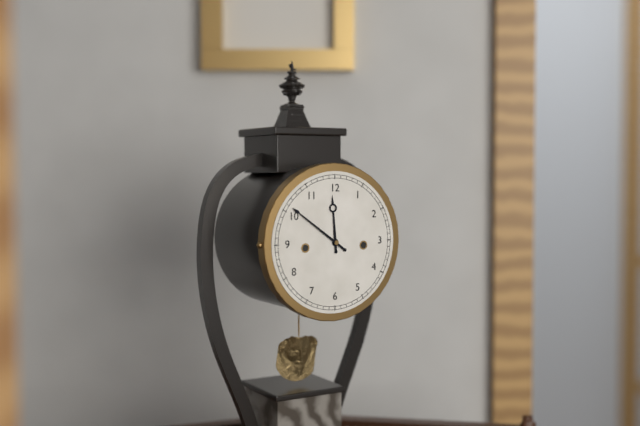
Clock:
11:51
